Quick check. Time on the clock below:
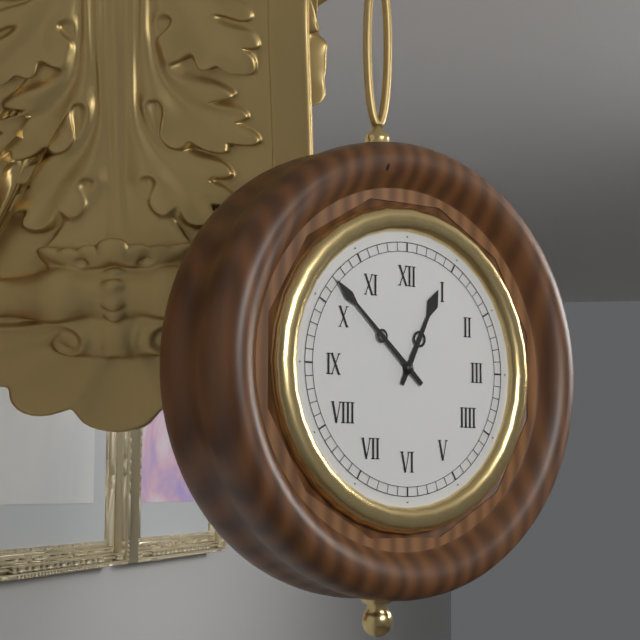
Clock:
12:52
